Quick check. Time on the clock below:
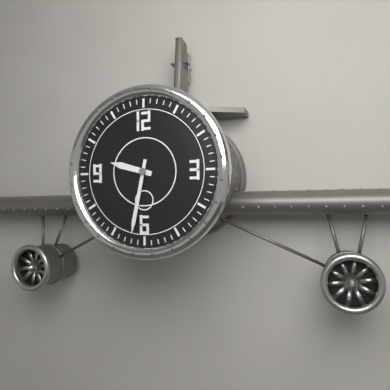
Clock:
9:32
